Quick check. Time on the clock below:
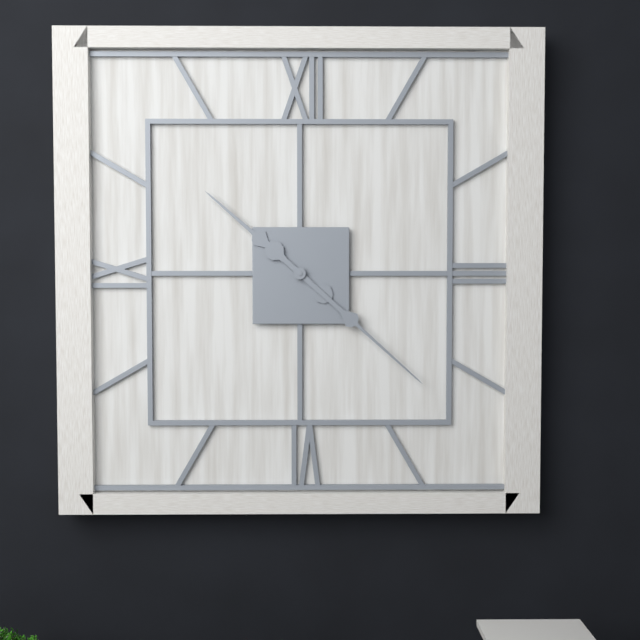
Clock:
10:22
